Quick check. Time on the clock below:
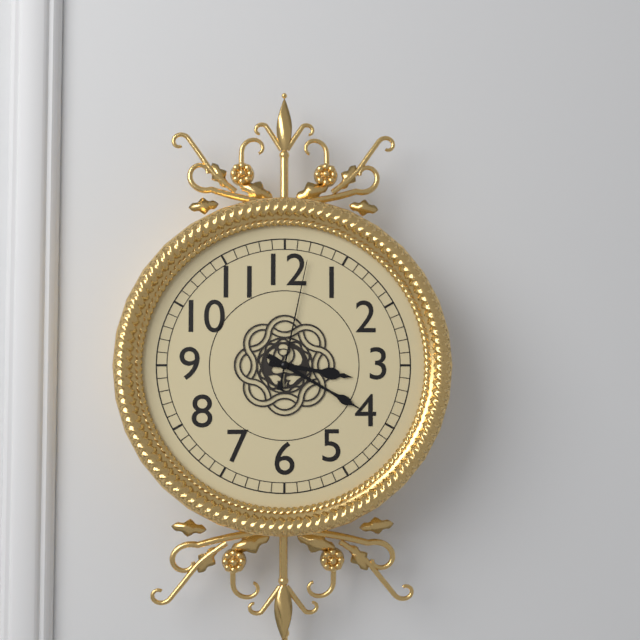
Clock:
3:20:02
